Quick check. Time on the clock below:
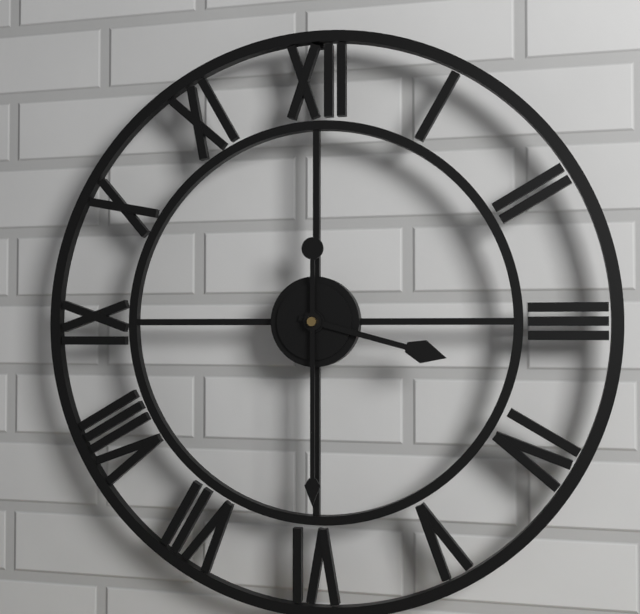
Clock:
3:30
